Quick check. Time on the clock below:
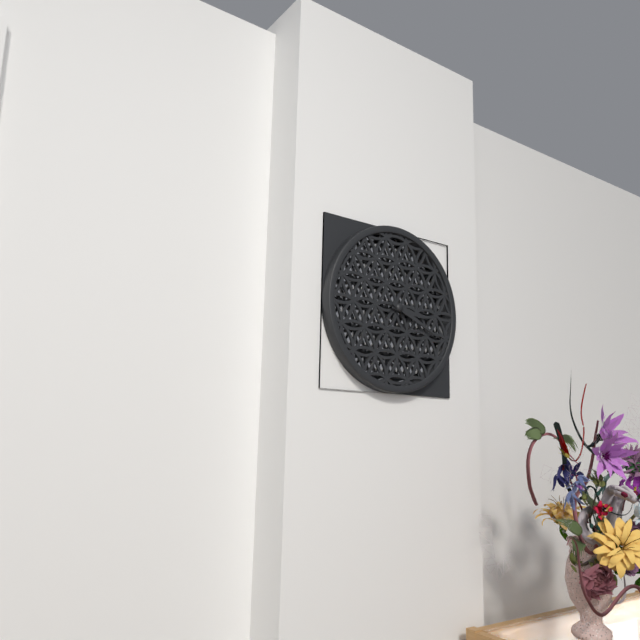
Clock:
3:19
